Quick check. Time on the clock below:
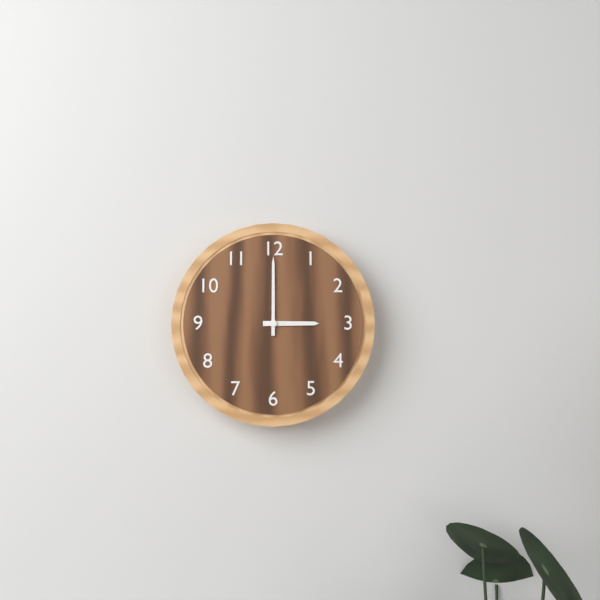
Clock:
3:00
